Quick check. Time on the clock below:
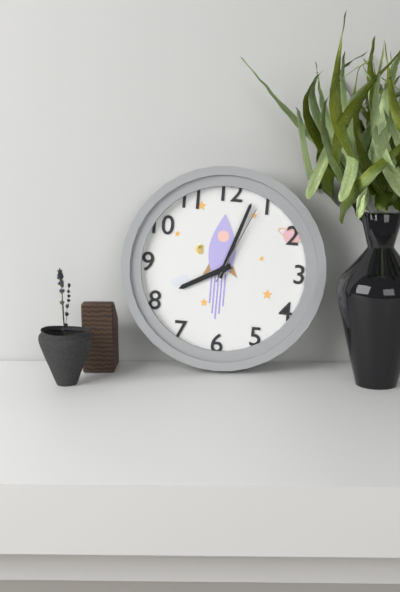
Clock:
8:03:04
